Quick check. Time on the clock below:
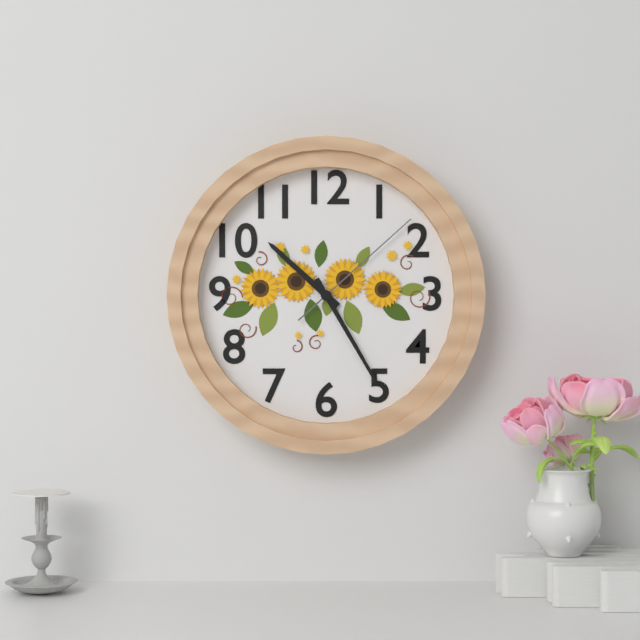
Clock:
10:25:08
